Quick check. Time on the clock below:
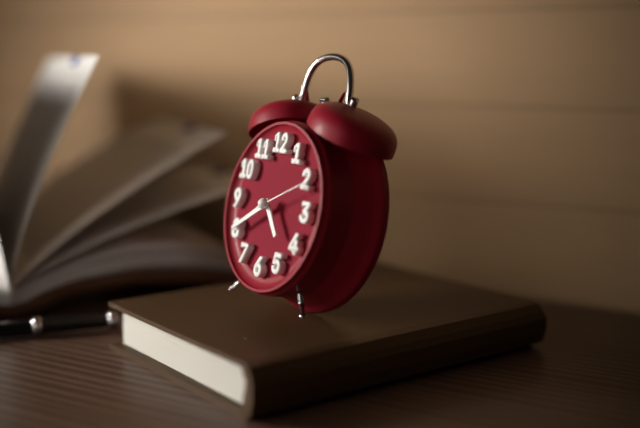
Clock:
4:40
